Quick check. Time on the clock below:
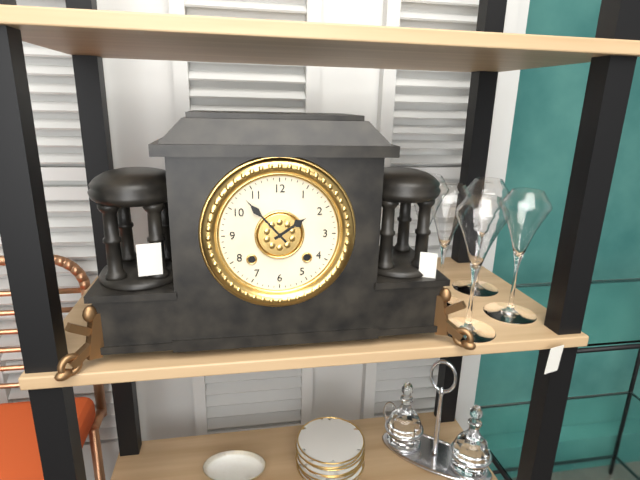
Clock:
1:53
